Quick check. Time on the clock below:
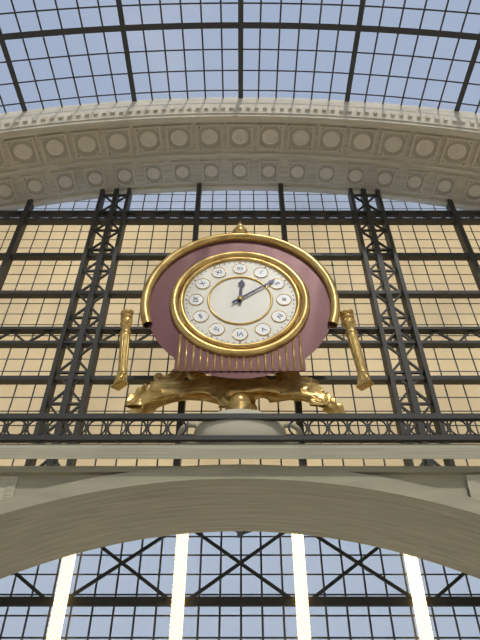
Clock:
12:09
